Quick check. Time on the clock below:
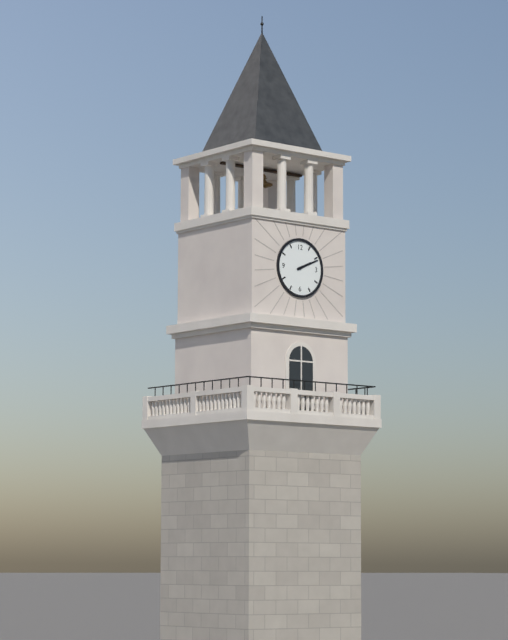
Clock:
2:11
